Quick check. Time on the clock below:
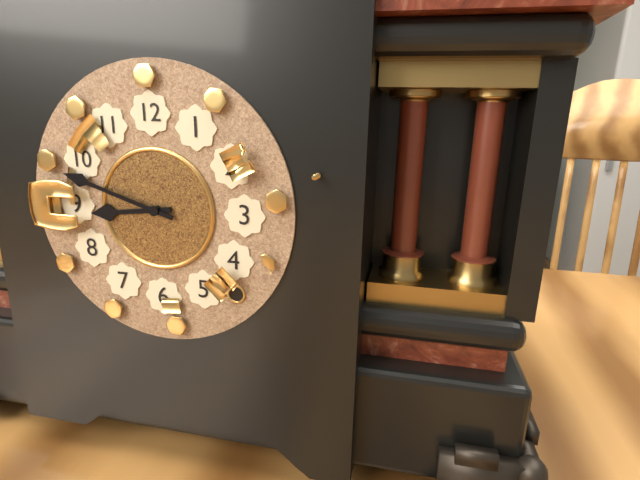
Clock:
8:48
